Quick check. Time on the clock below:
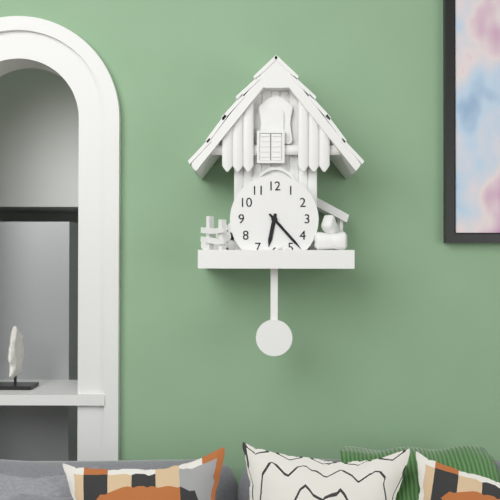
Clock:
6:23
